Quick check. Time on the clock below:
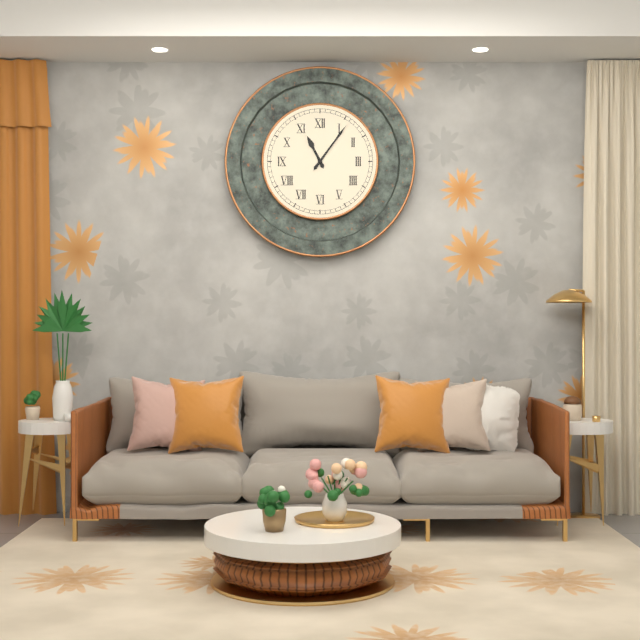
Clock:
11:06
